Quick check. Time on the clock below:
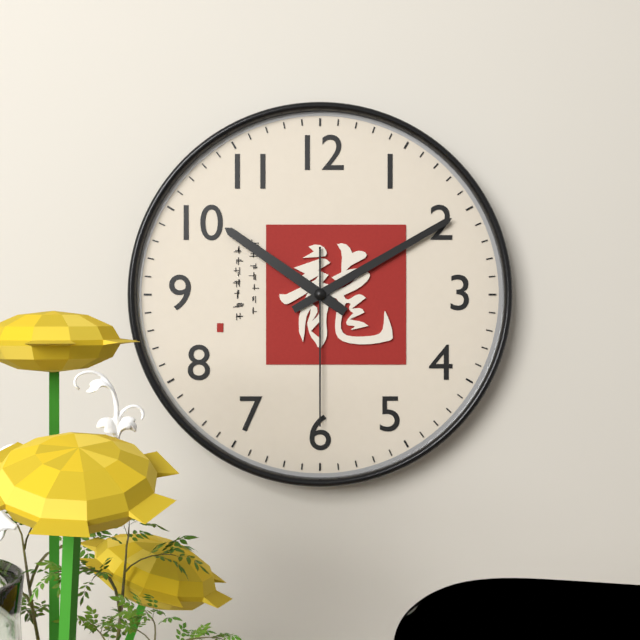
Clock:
10:10:30
